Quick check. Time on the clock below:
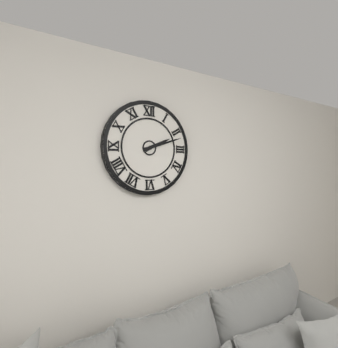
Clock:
2:12
